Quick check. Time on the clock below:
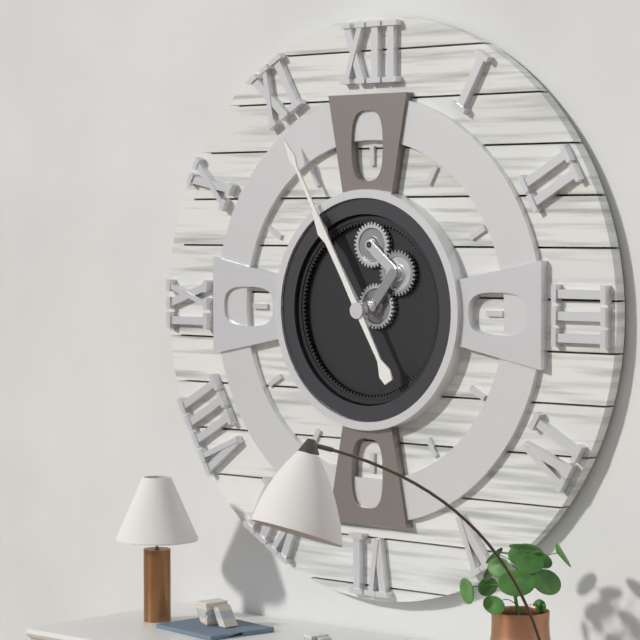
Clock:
10:55
